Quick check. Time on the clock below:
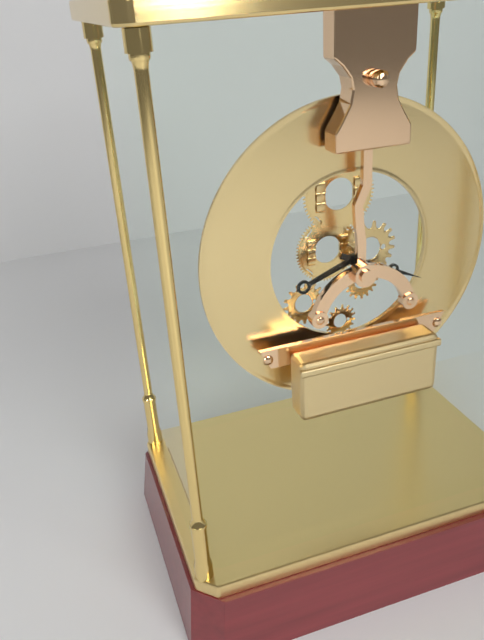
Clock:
8:19
